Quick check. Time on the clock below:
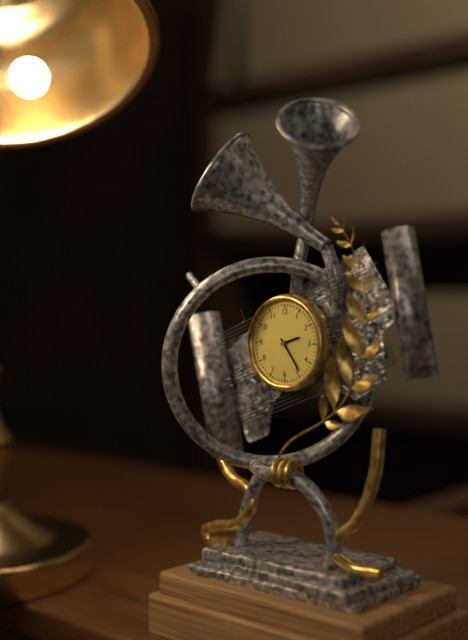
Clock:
2:24
